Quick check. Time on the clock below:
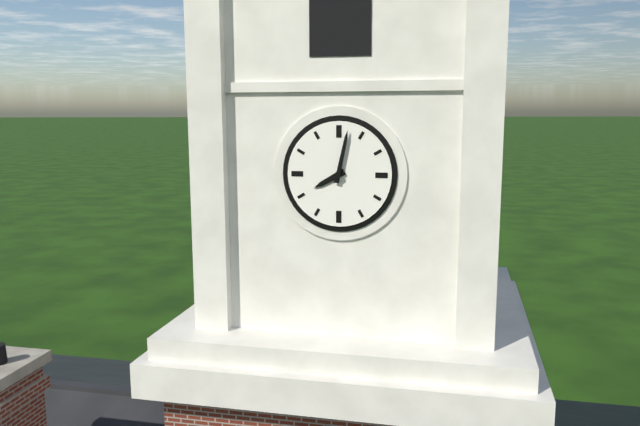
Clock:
8:02
